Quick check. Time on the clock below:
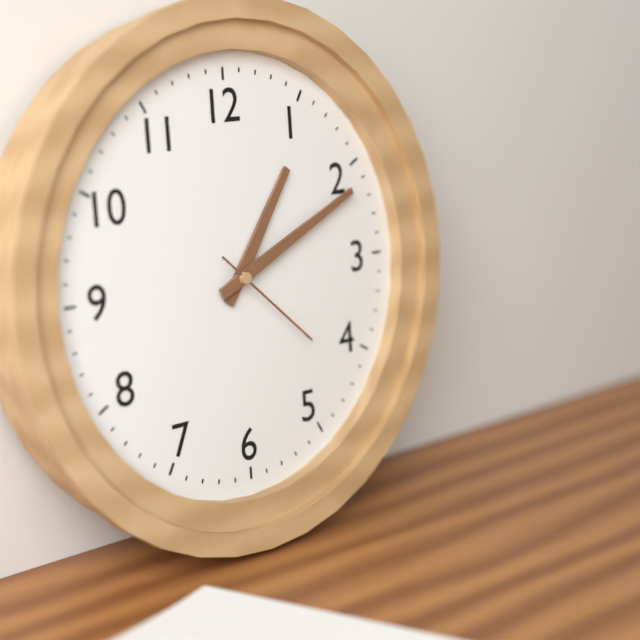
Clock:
1:11:22
